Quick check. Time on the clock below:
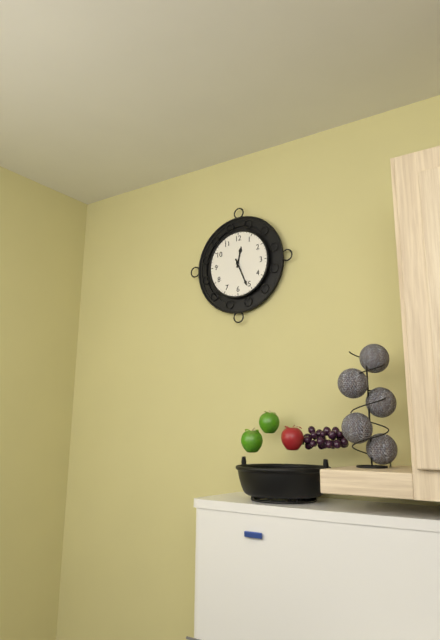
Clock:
12:26
